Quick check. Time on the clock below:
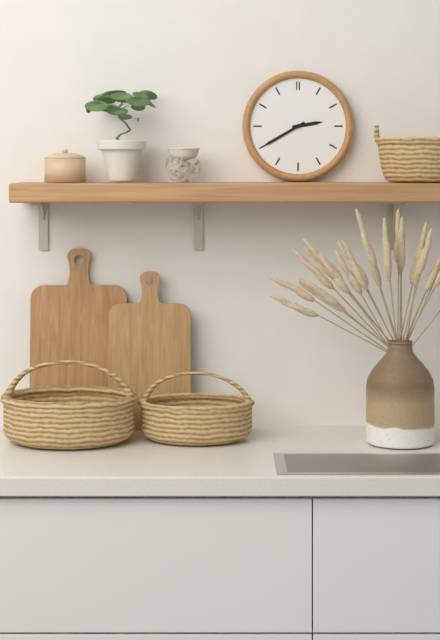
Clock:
2:40
